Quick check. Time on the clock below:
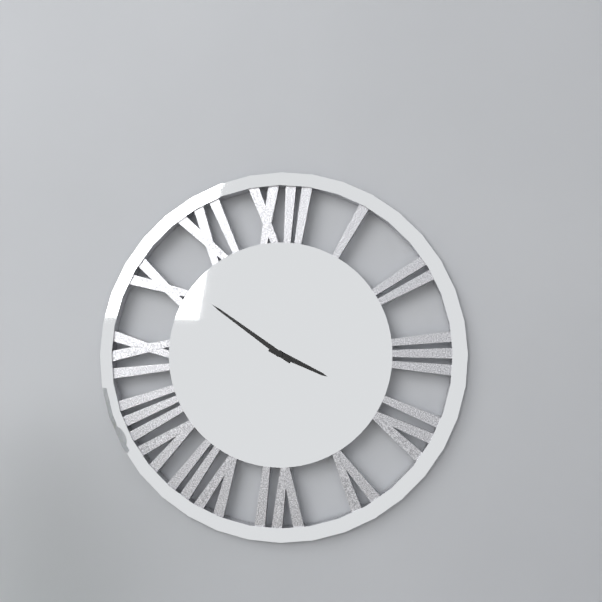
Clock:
3:51
